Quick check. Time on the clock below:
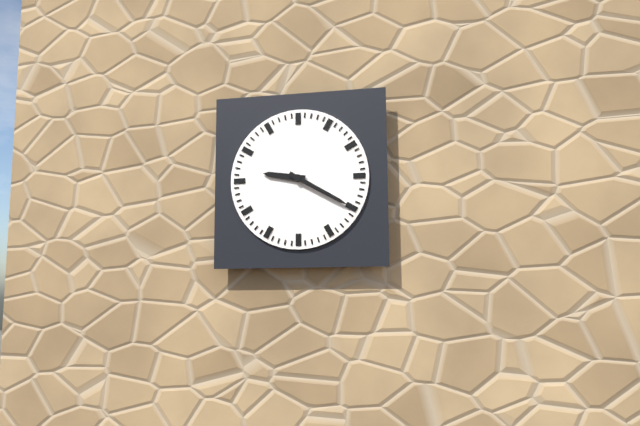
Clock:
9:20
